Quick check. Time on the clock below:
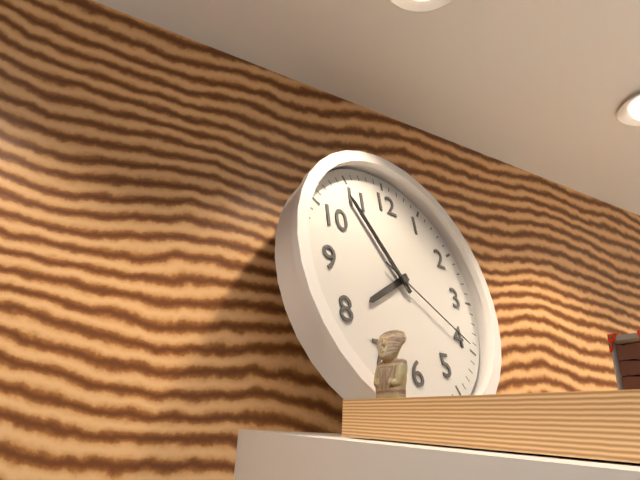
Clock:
7:54:20
